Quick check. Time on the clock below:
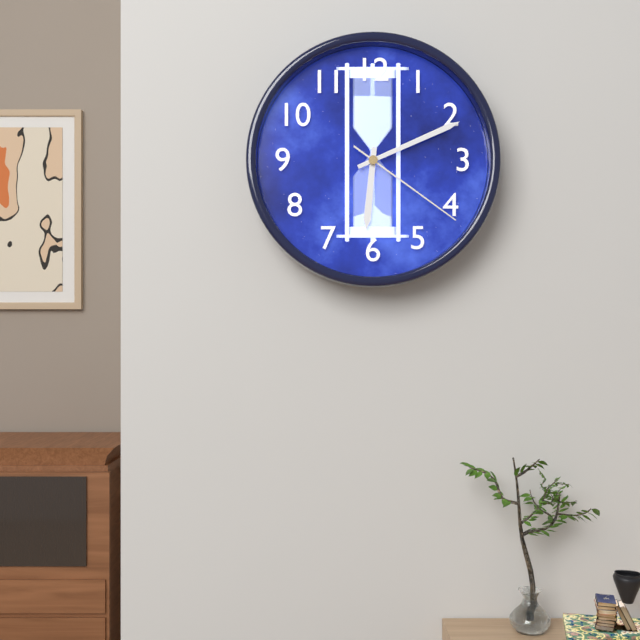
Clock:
6:11:21
